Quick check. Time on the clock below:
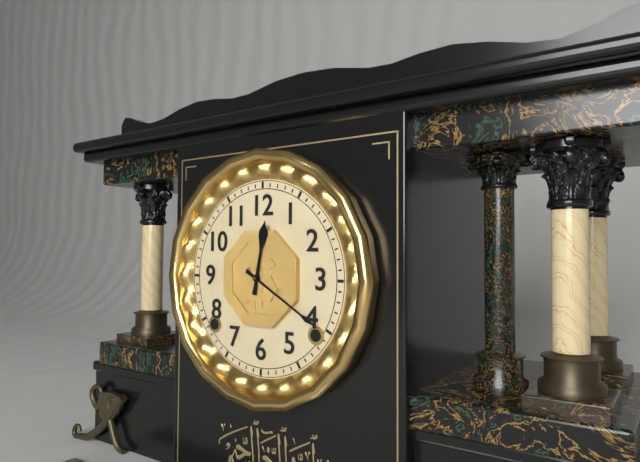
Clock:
12:20
